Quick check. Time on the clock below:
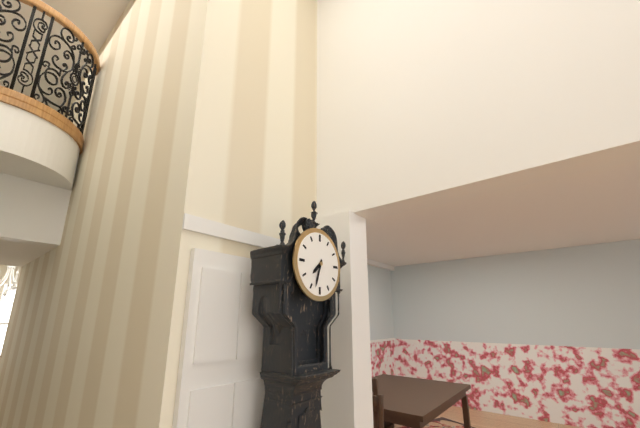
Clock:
7:33
